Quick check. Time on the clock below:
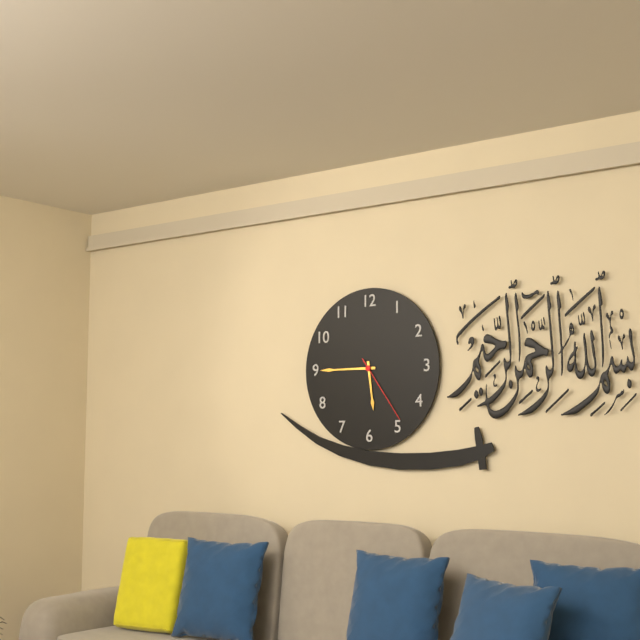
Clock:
5:45:24
